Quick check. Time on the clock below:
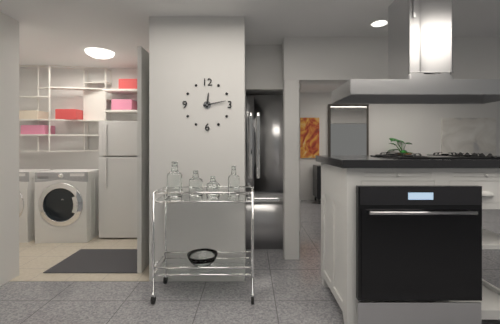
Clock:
12:13
